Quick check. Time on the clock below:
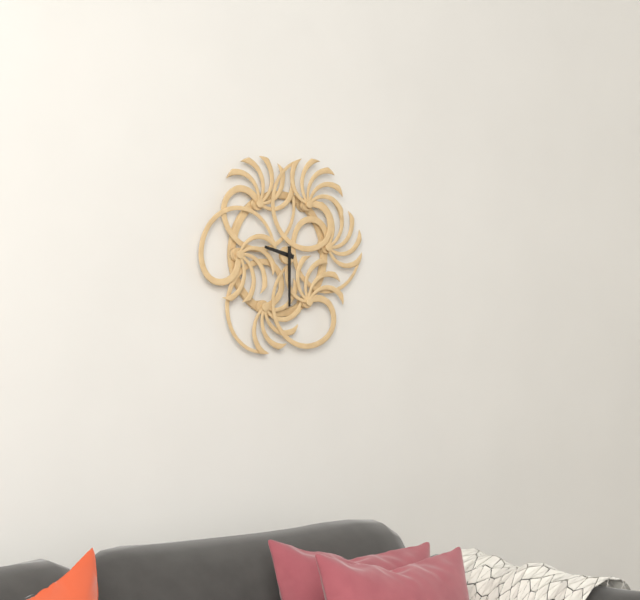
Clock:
9:30
